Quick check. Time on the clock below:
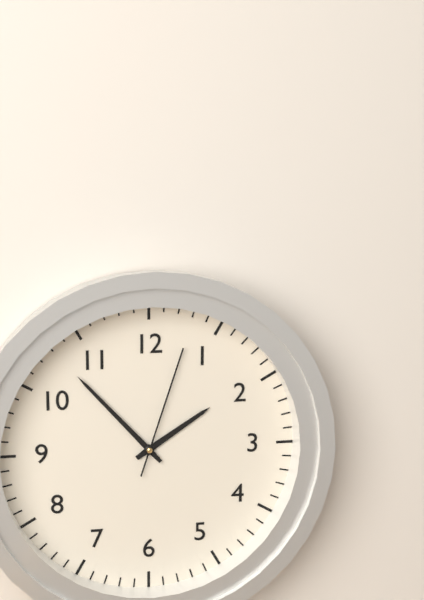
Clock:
1:53:03
